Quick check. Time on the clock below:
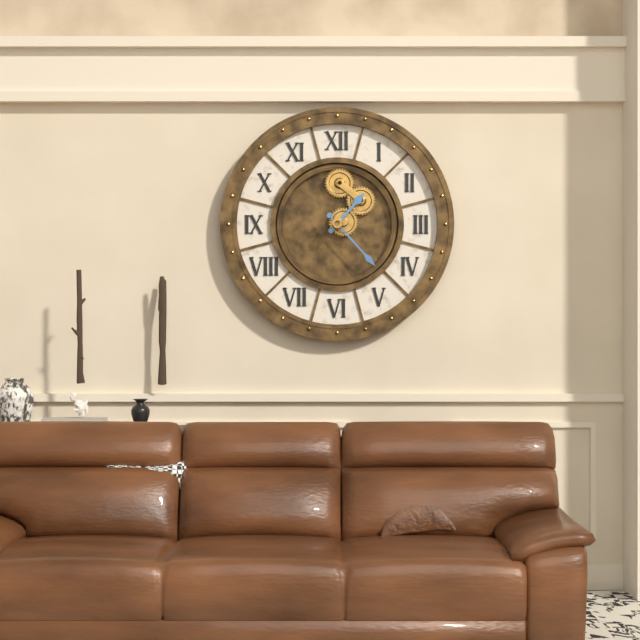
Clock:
1:23
